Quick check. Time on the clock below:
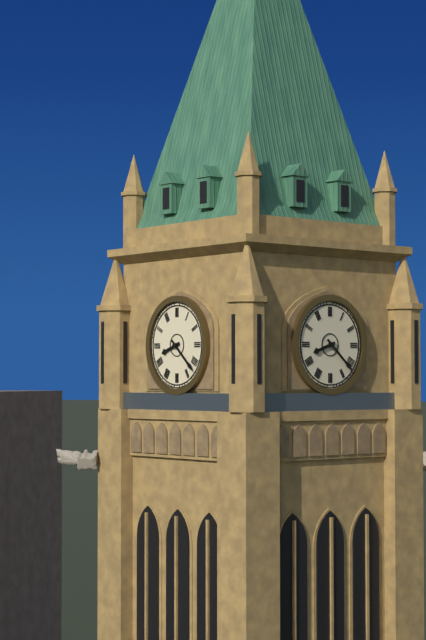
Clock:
8:22
